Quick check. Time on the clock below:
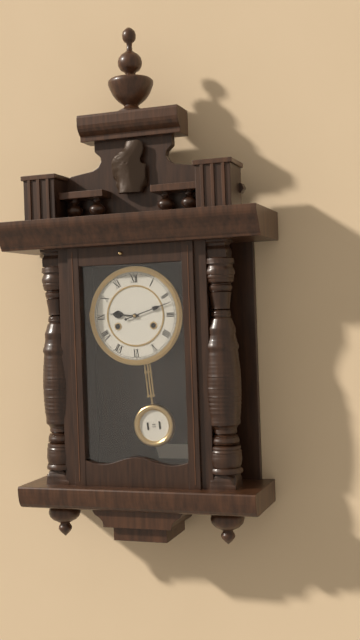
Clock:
9:12
